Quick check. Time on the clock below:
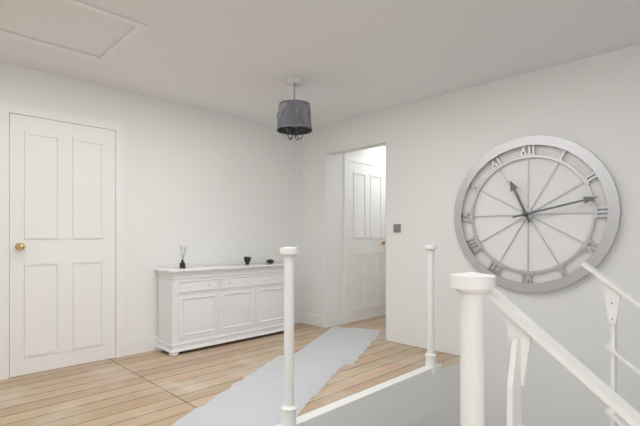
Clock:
11:13
